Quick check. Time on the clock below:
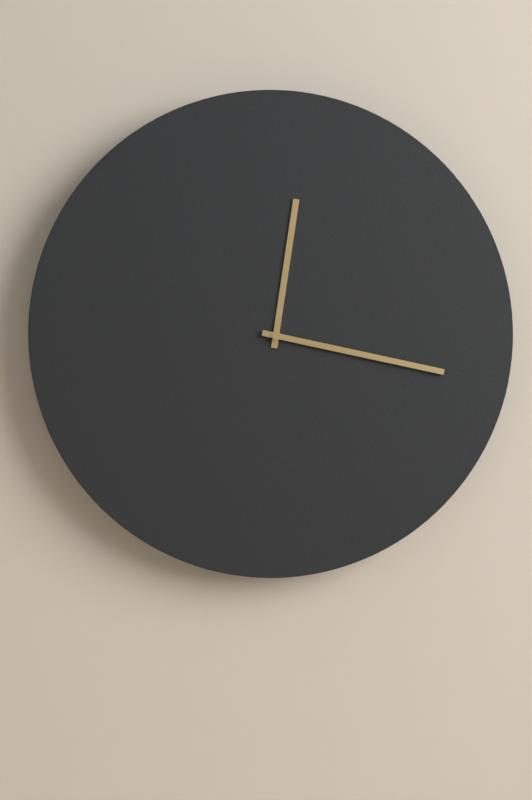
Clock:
12:17
